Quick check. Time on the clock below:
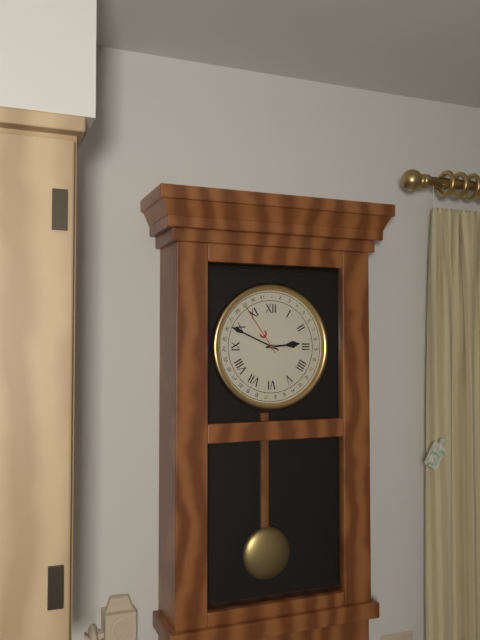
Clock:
2:49
